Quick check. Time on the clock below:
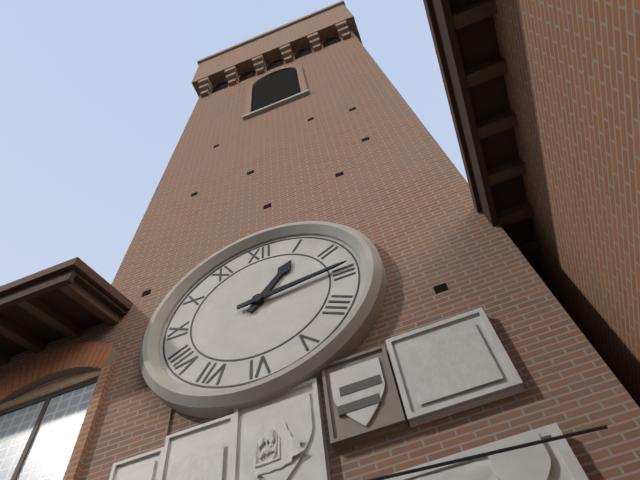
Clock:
1:14
